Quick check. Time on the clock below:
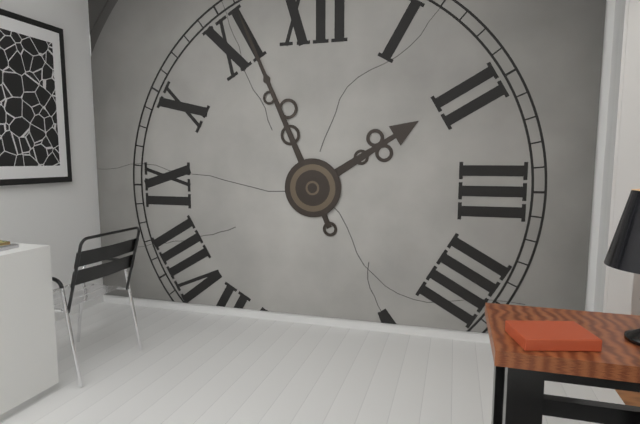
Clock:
1:56
